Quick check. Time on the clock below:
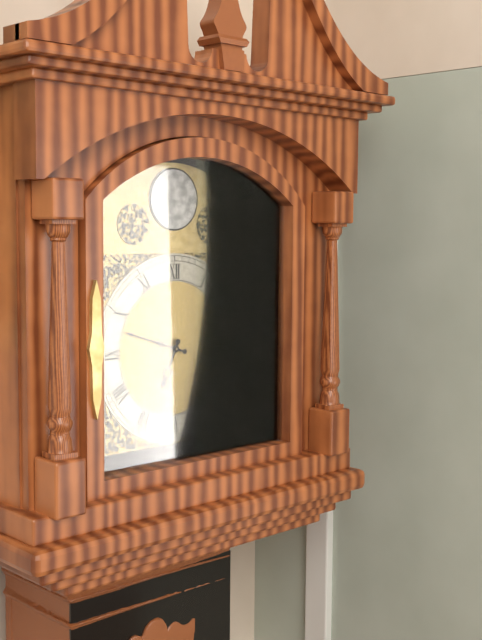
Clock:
6:48
